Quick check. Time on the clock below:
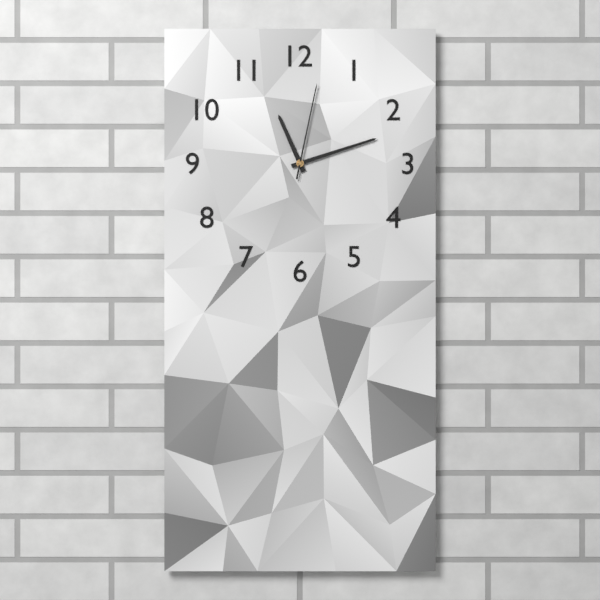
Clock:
11:12:02
